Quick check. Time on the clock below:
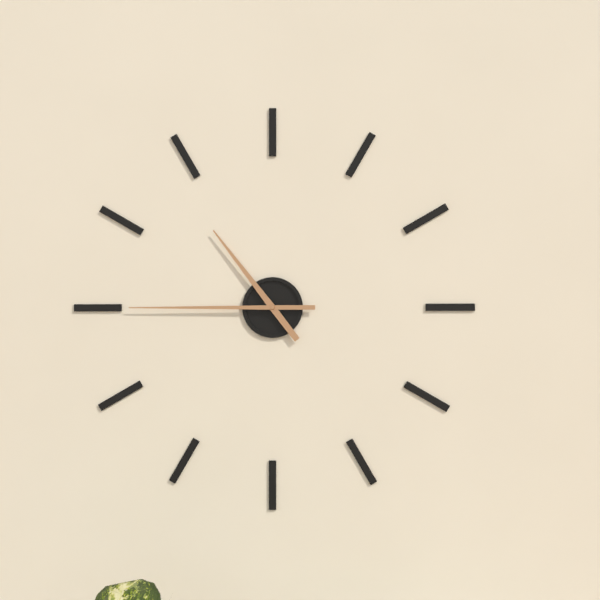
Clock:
10:45
